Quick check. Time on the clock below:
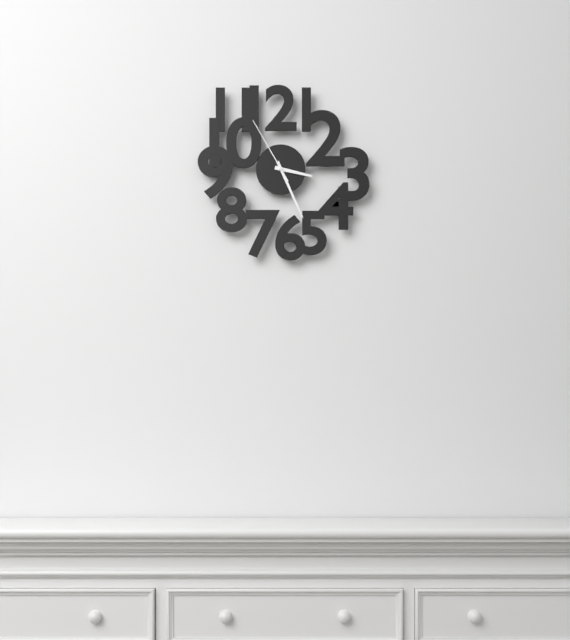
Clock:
3:26:55
